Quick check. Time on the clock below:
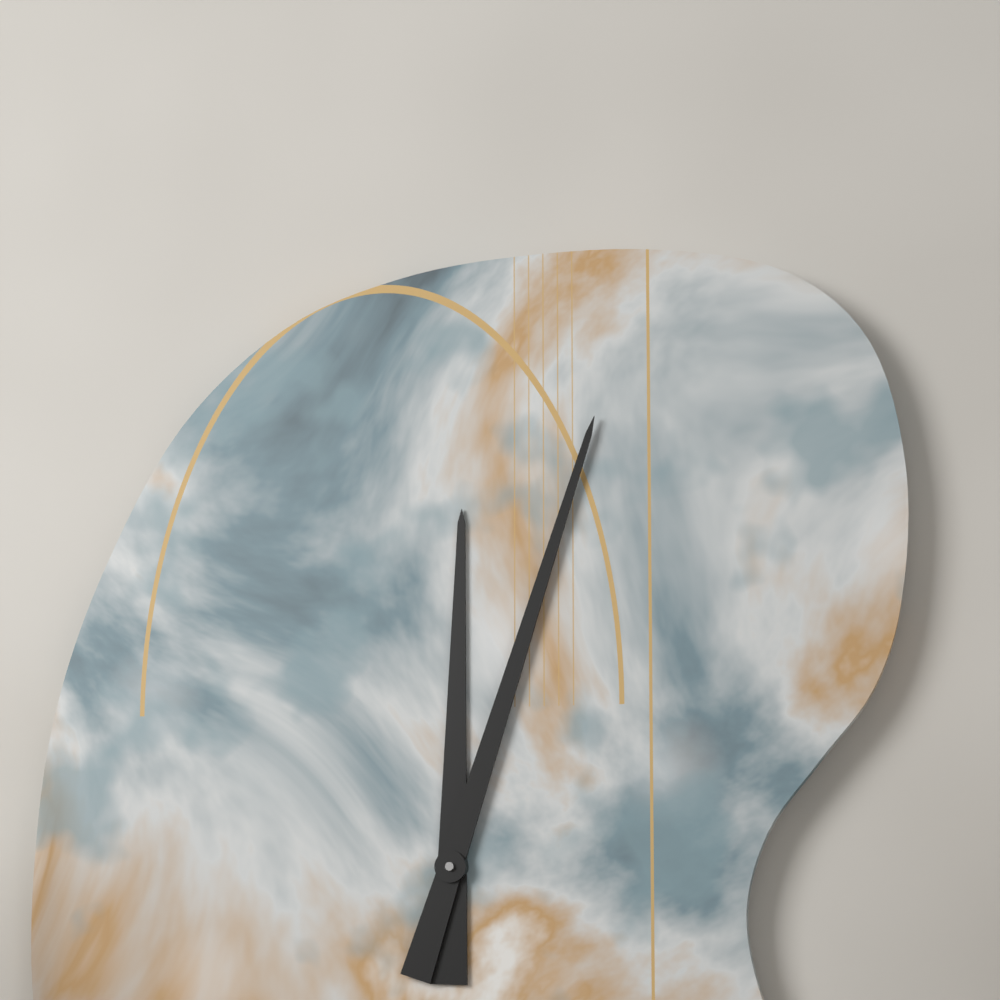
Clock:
12:03
